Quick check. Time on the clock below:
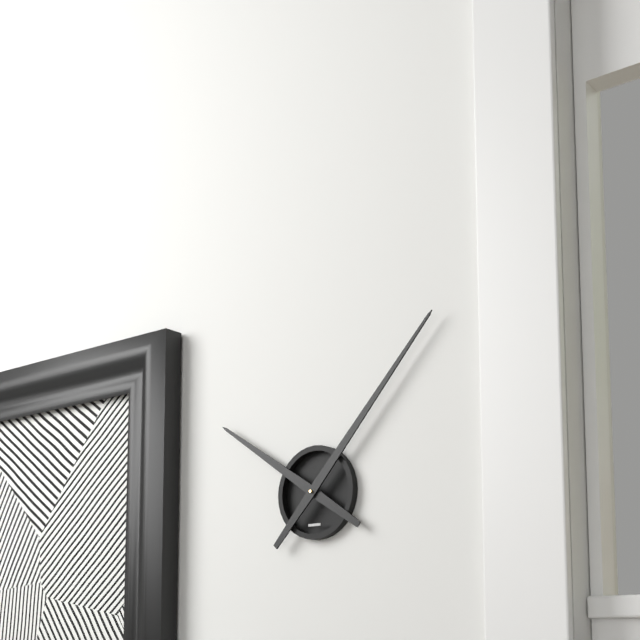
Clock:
10:07
